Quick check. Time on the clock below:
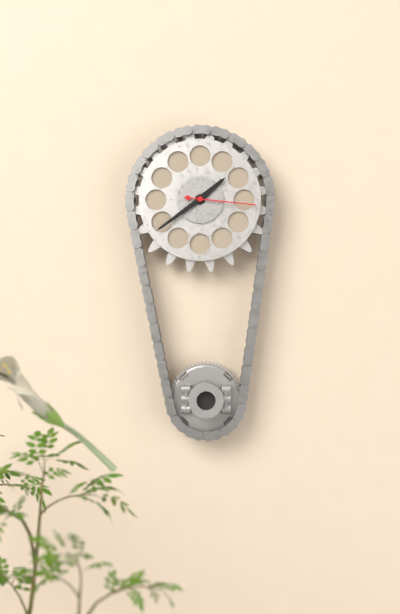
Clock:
1:39:16
